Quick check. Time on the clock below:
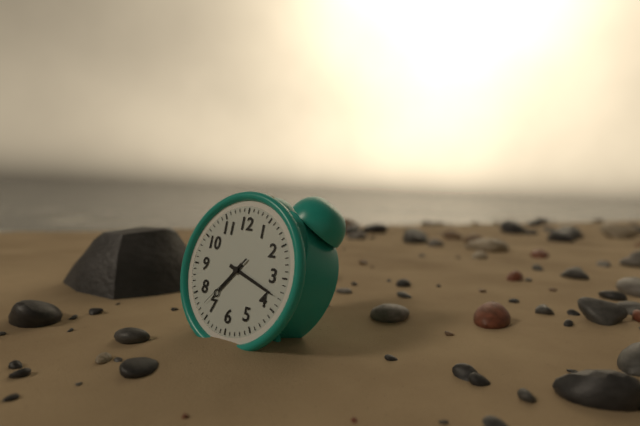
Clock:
7:18:37
